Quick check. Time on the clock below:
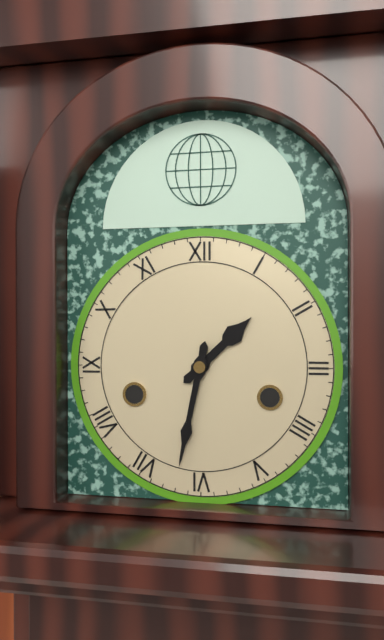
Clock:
1:32
